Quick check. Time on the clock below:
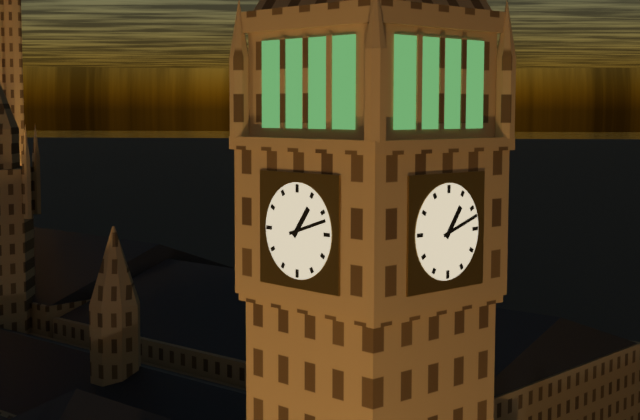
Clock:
1:12
